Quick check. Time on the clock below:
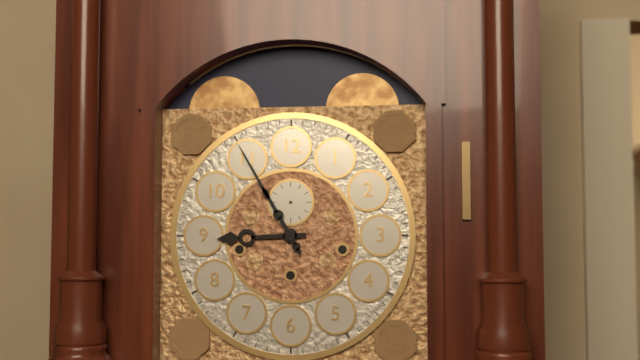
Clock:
8:55
